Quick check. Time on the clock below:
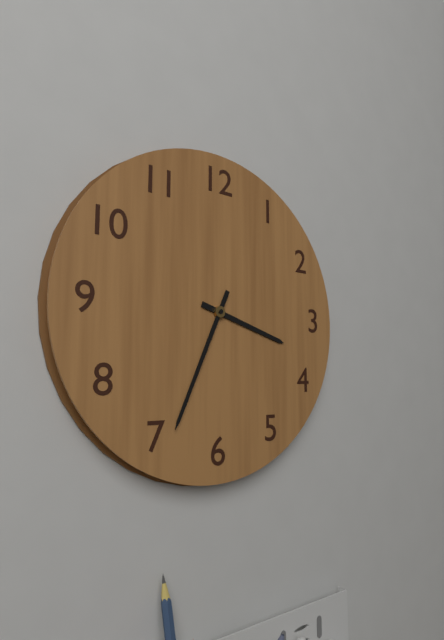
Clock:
3:34
